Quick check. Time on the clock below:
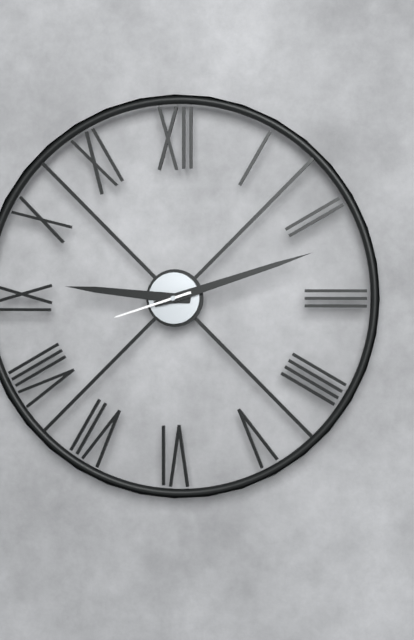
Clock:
9:12:42
